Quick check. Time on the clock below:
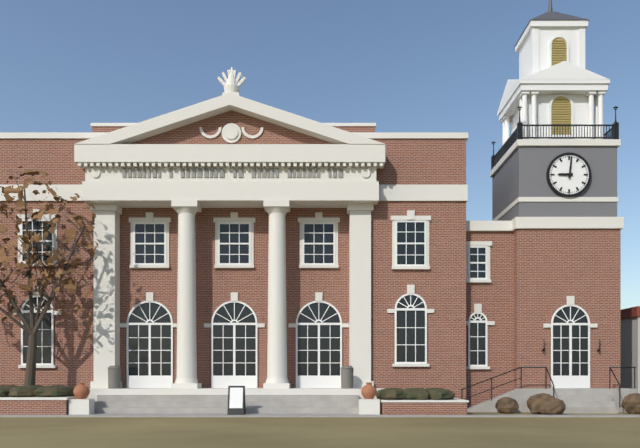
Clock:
9:01
